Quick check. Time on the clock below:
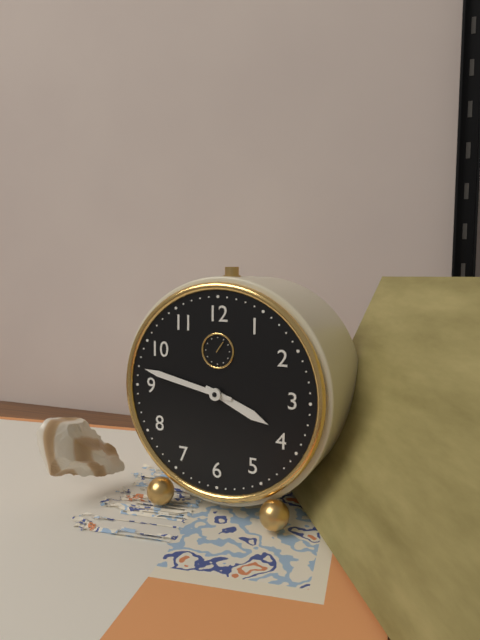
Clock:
3:47
